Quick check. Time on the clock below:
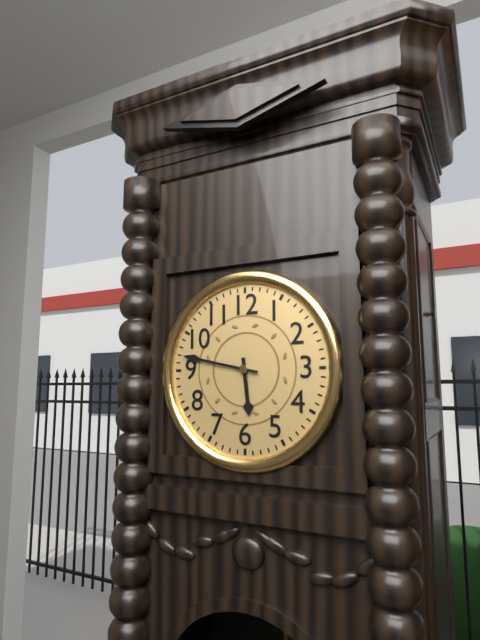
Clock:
5:47
